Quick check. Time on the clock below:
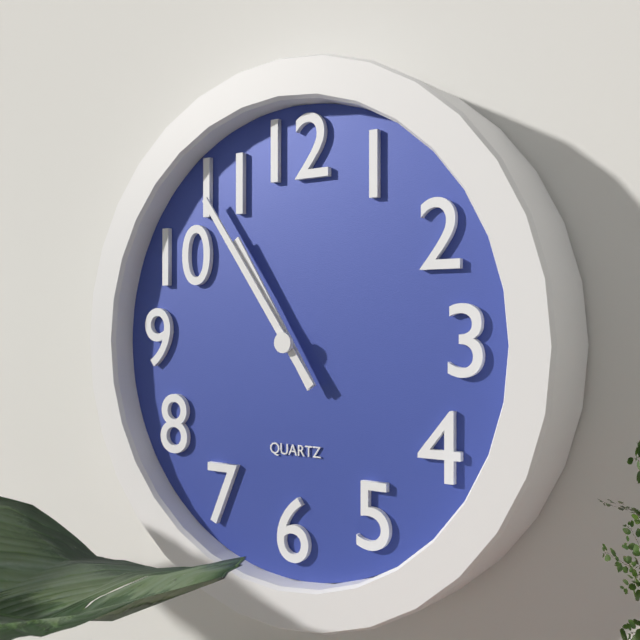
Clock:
10:54
